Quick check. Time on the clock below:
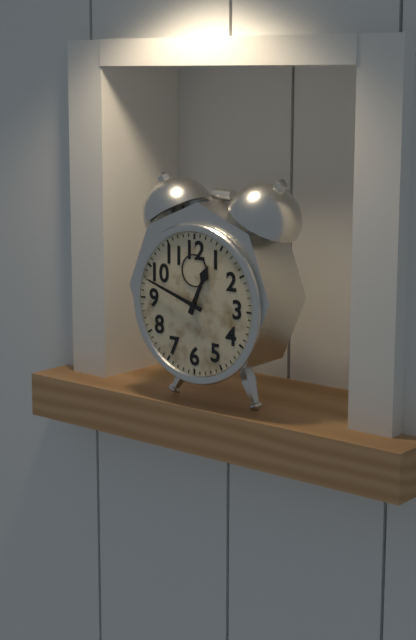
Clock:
12:48
